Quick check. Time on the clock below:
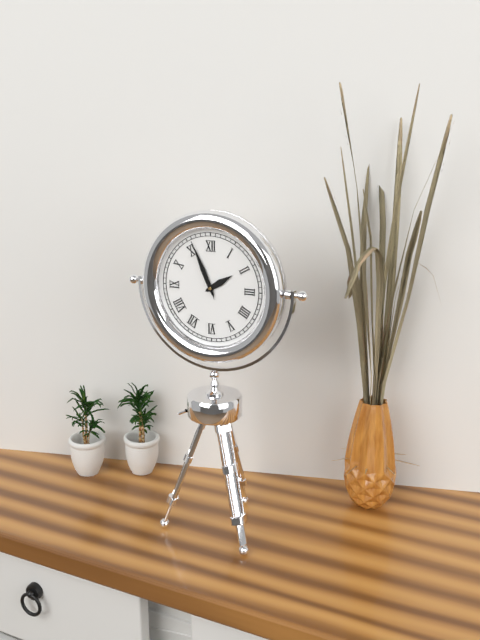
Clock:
1:56:56
